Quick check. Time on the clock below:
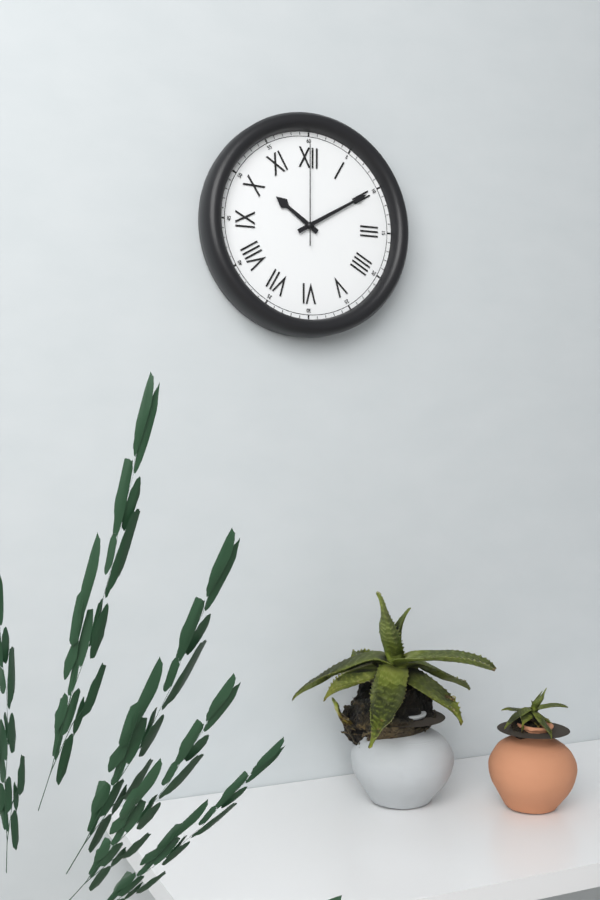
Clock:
10:10:00
